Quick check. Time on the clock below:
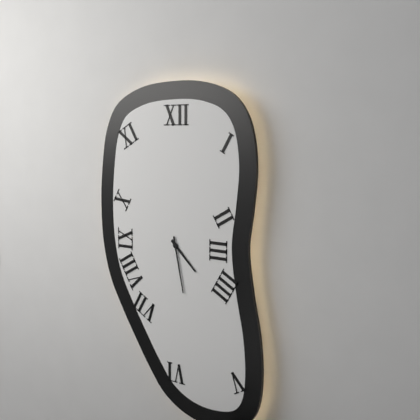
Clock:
4:28
